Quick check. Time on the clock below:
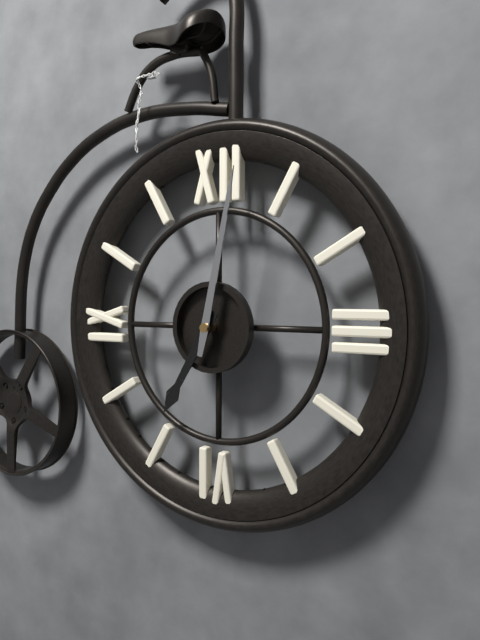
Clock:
7:02
